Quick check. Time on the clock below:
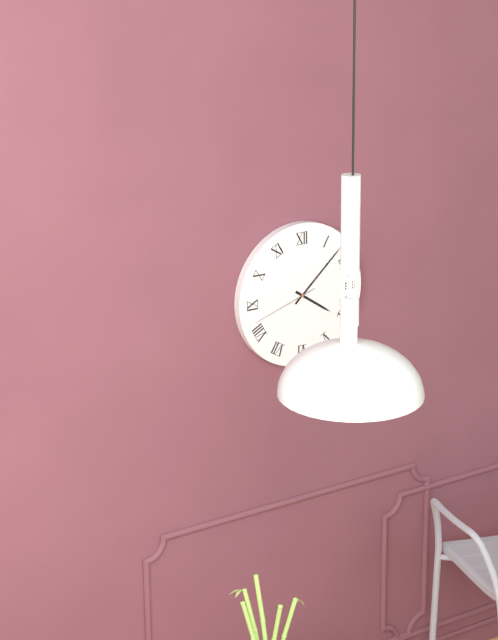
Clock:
4:08:42
